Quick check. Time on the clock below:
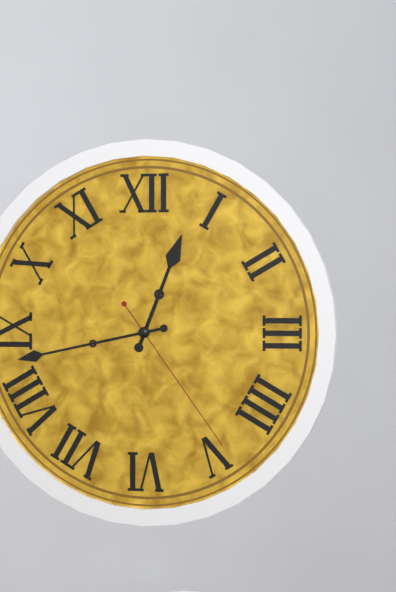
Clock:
12:43:24
